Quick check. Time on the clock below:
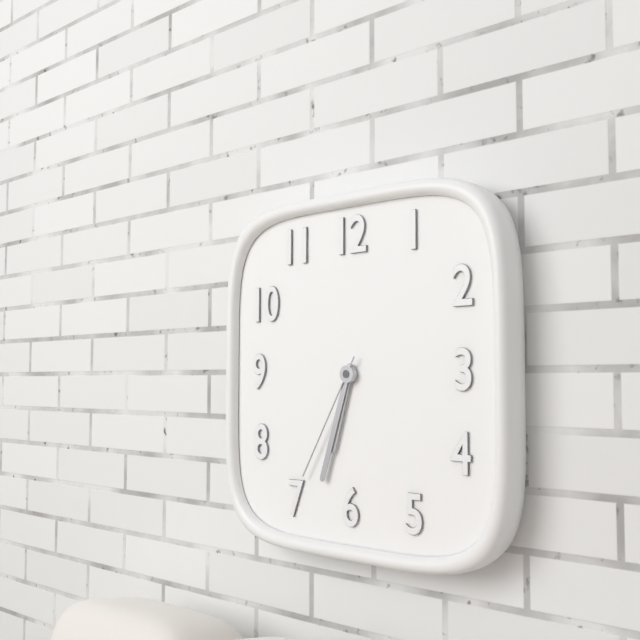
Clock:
6:33:35
